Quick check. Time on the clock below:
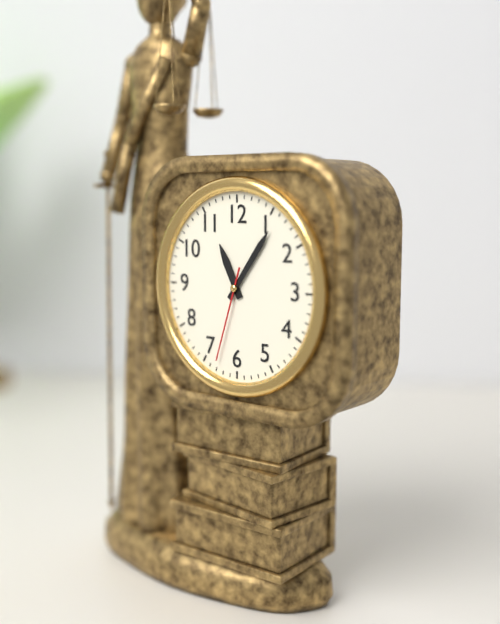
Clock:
11:06:33
